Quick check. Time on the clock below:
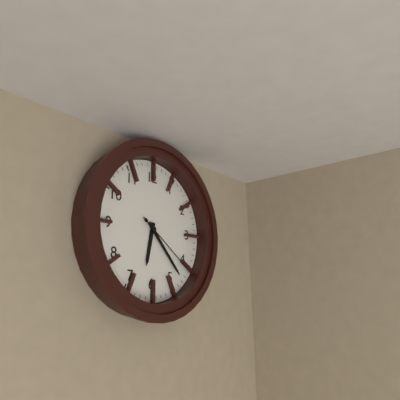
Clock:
6:23:21
